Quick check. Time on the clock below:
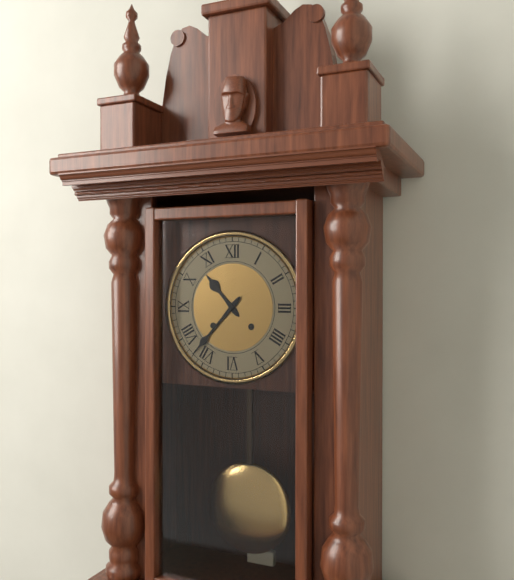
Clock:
10:37
